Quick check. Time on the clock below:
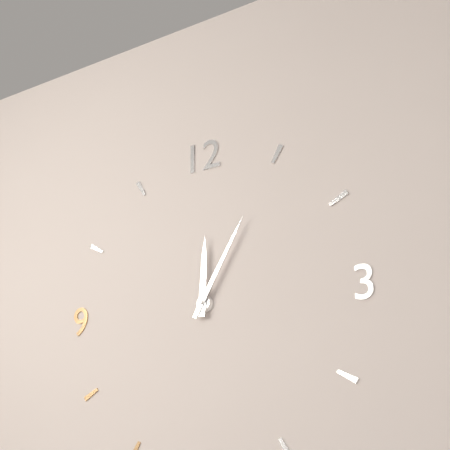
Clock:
12:05
